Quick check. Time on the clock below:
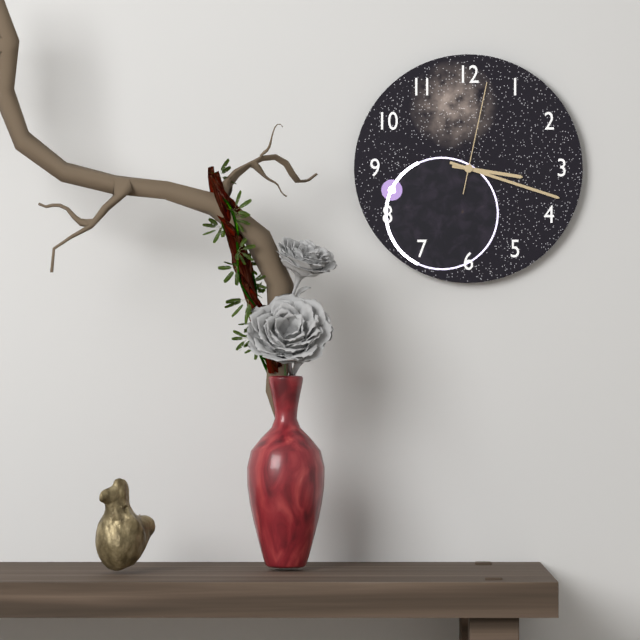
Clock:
3:18:02
